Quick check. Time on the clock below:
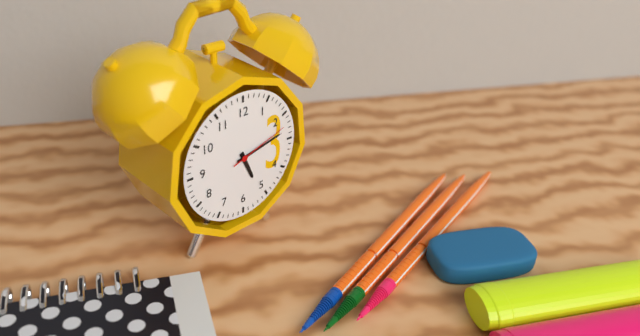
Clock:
5:13:12
